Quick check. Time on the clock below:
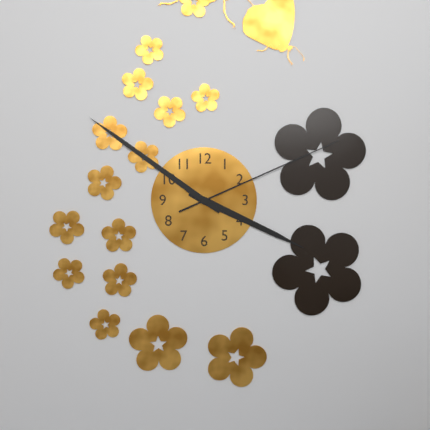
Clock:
3:51:11
